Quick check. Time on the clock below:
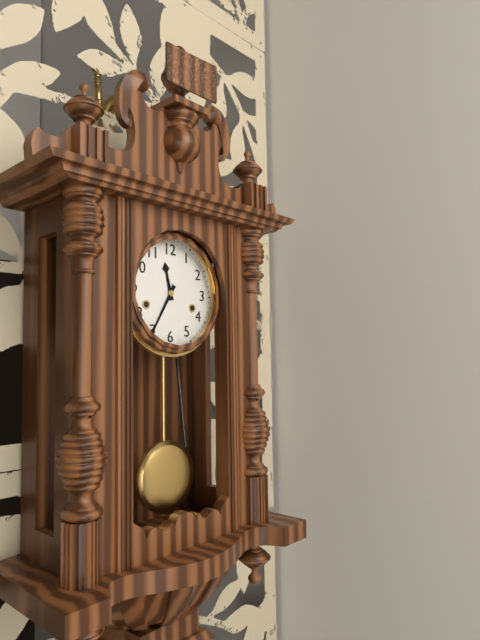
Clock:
11:35
